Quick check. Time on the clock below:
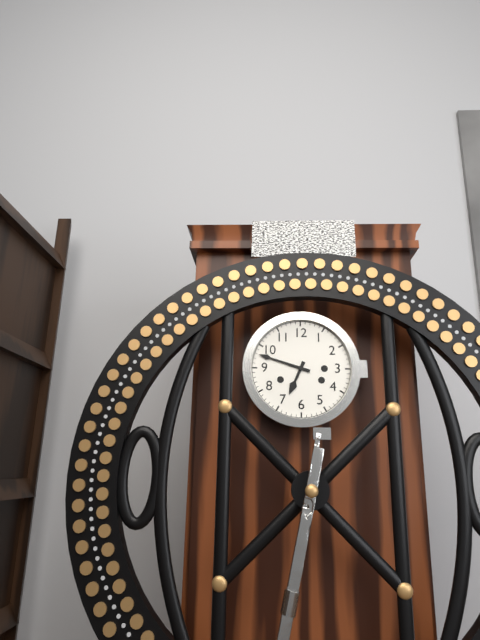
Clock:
6:48
